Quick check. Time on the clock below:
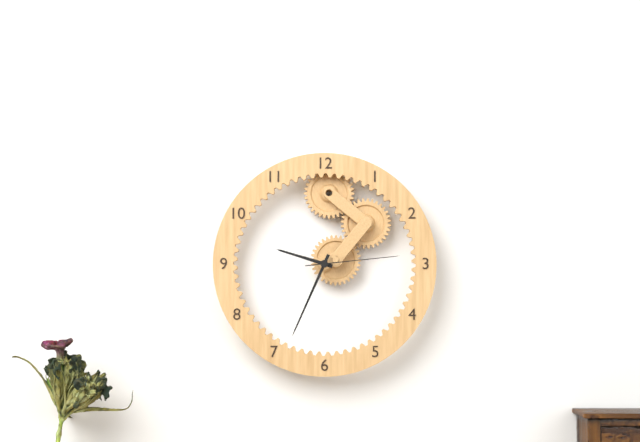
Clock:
9:34:14
